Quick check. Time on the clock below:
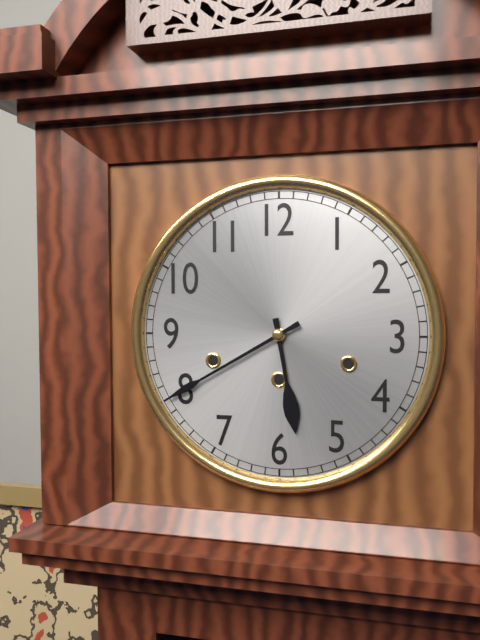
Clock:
5:40
